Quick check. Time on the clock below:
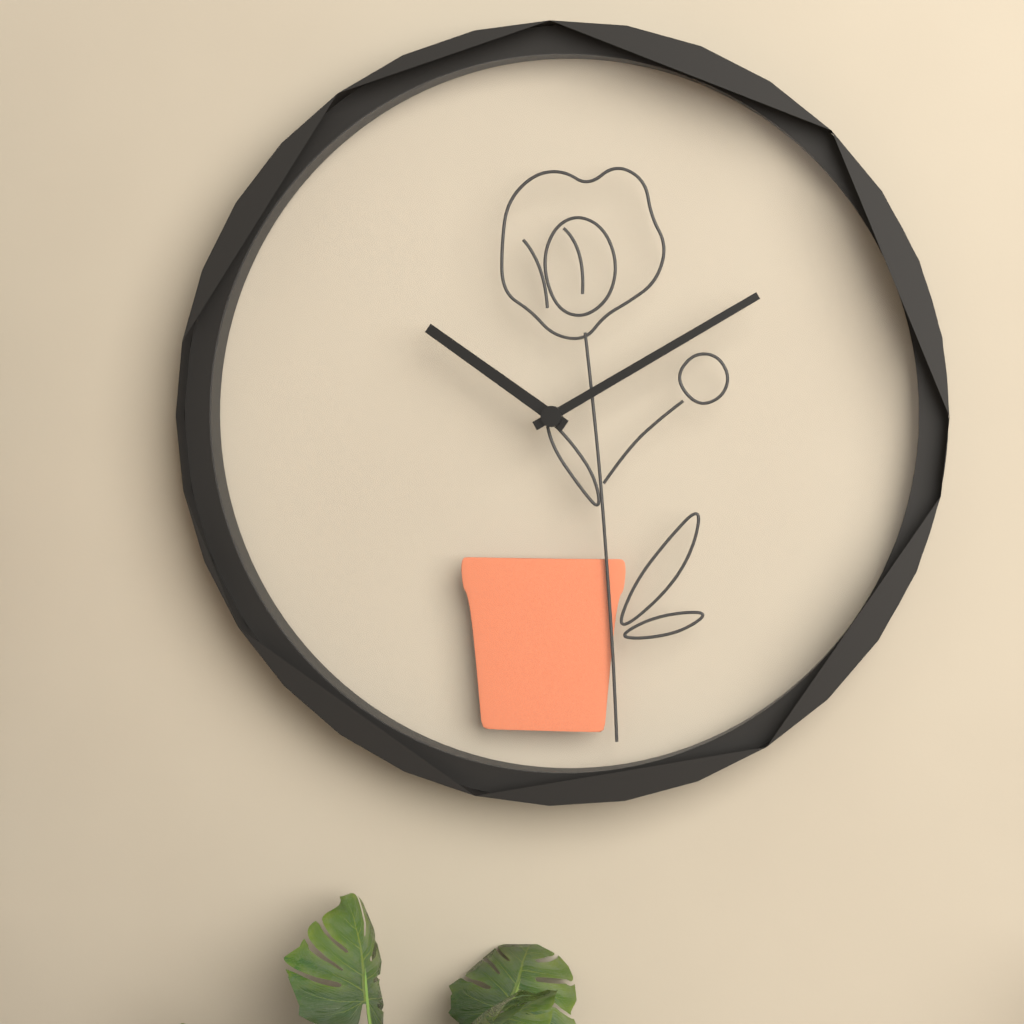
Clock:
10:10
